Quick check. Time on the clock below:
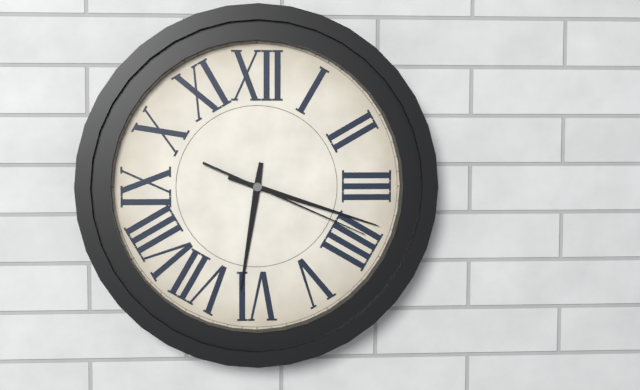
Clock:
6:18:19
